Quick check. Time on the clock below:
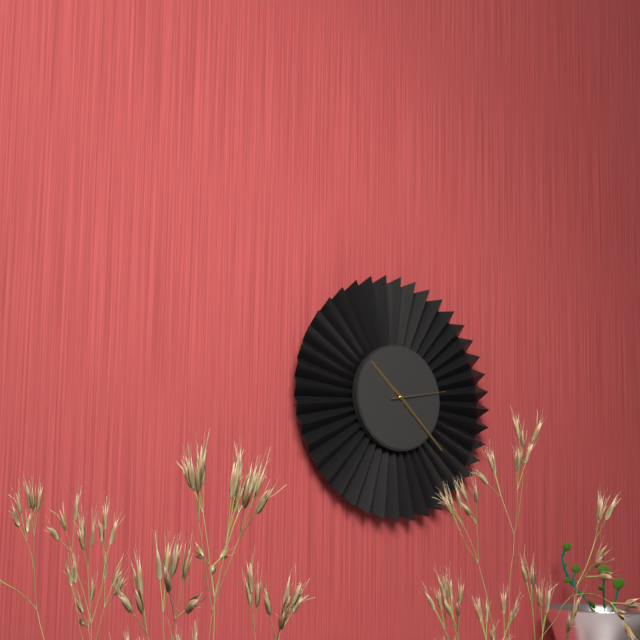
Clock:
10:22:13
